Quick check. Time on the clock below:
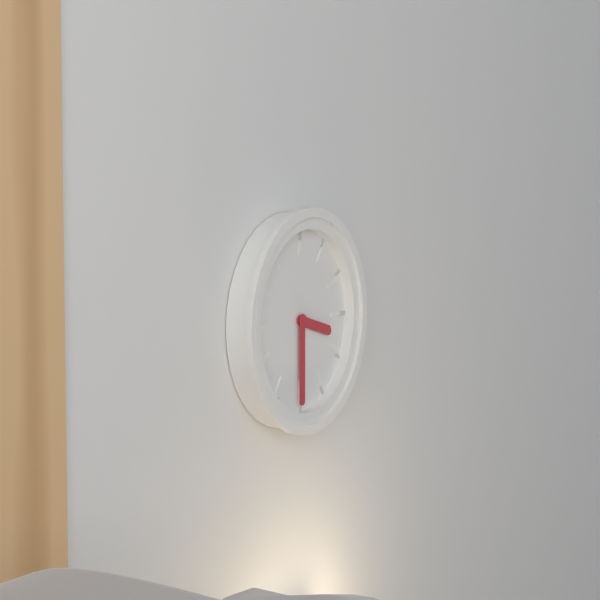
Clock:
3:30
